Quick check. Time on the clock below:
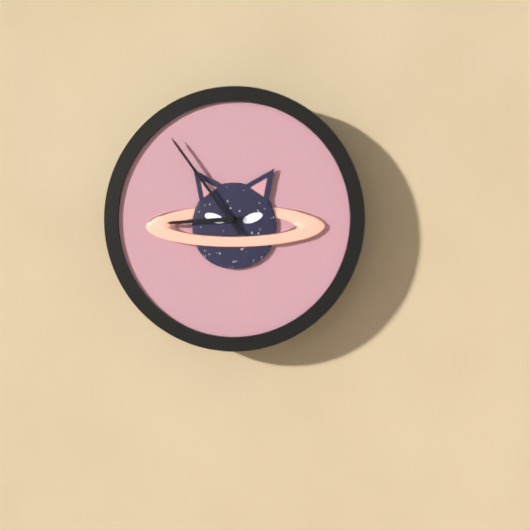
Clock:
8:54
